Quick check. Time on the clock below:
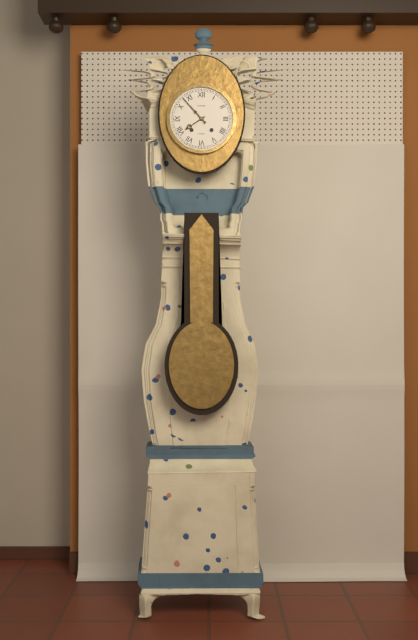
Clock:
7:53
